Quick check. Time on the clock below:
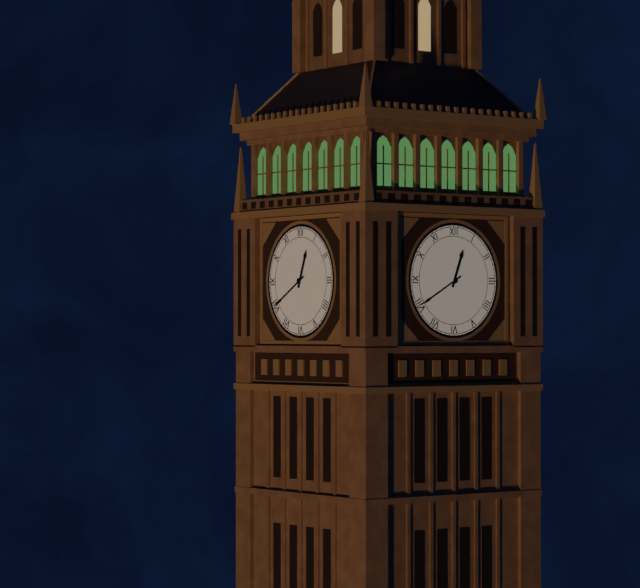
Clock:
12:40
